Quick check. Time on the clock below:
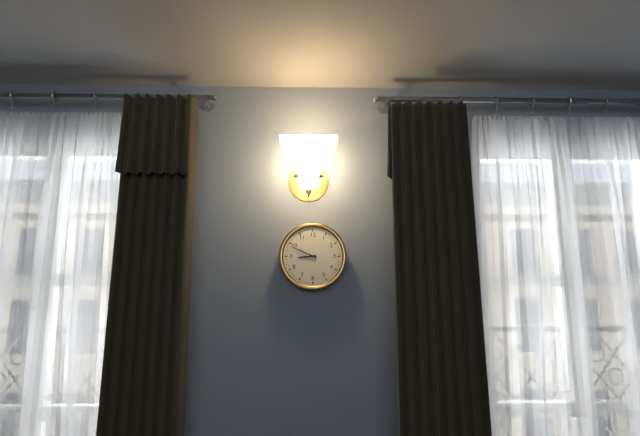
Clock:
8:49
